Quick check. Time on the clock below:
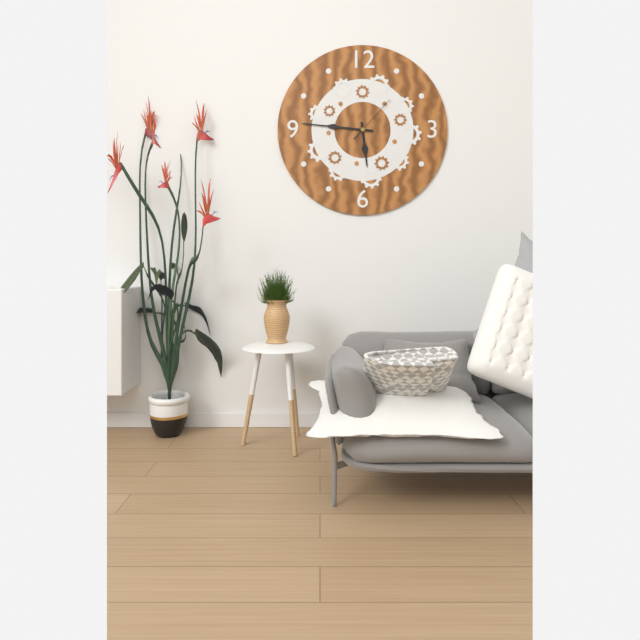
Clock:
5:46:07
